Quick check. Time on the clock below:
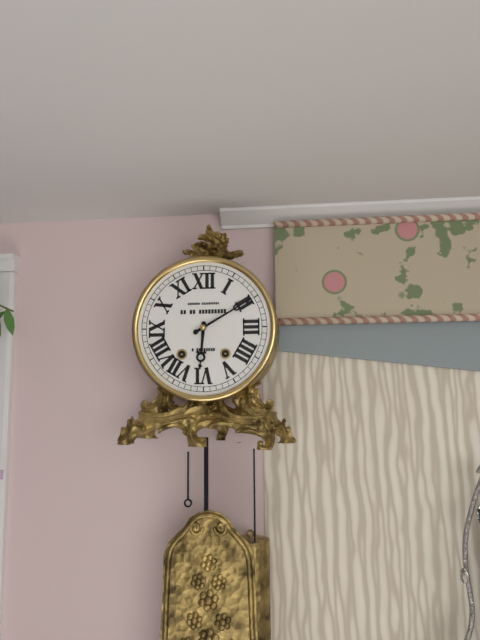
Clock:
6:10
